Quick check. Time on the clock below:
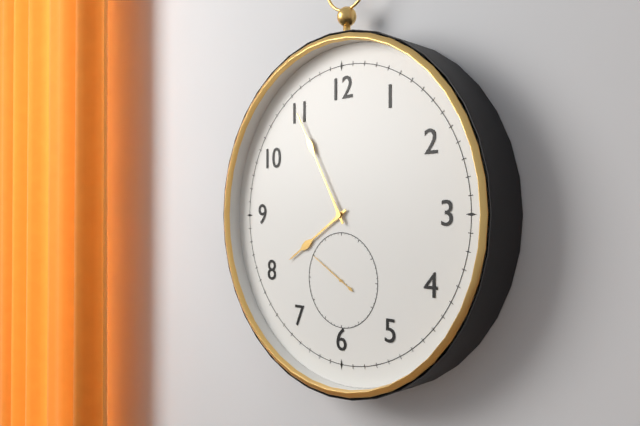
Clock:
7:55
